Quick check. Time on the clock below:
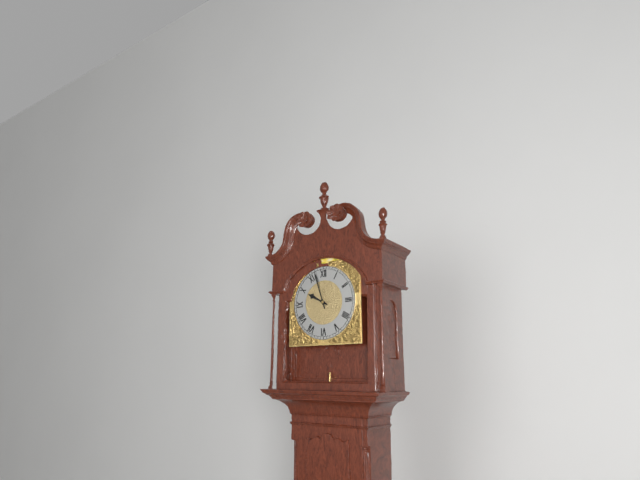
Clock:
9:57
